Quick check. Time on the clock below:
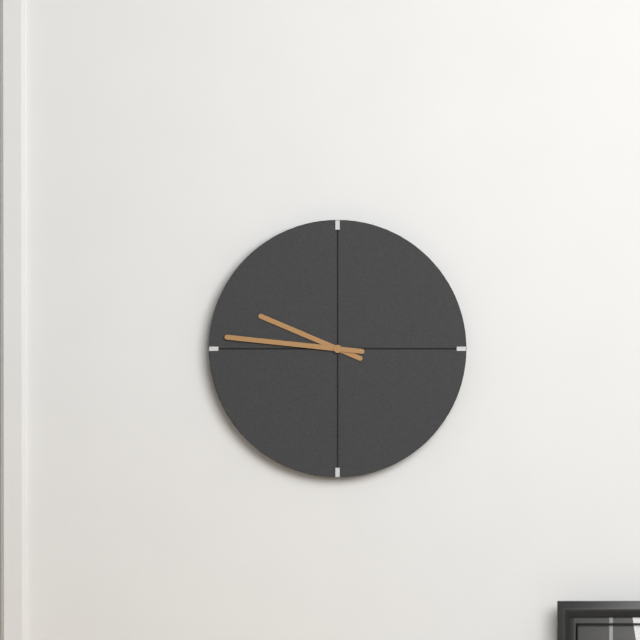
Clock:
9:46
